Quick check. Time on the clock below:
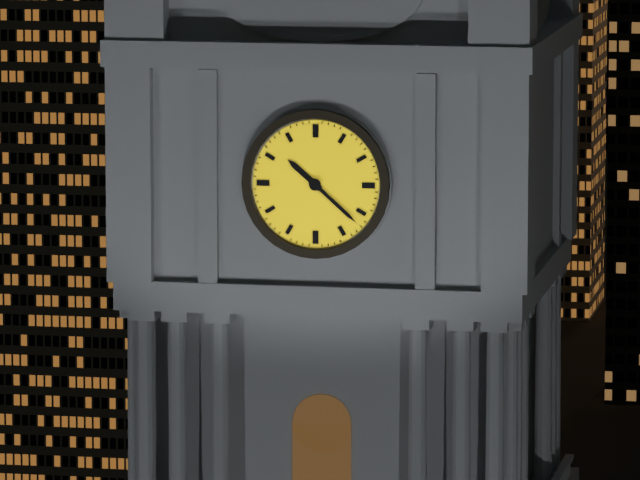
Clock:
10:22
